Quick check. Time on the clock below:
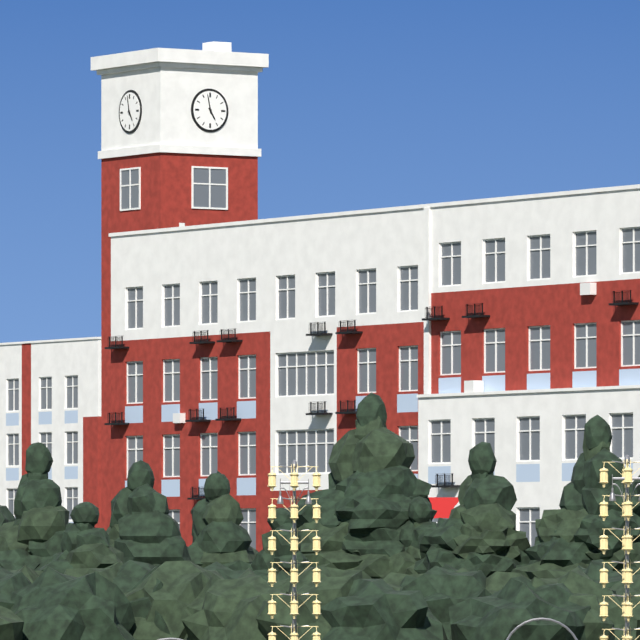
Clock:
4:58
